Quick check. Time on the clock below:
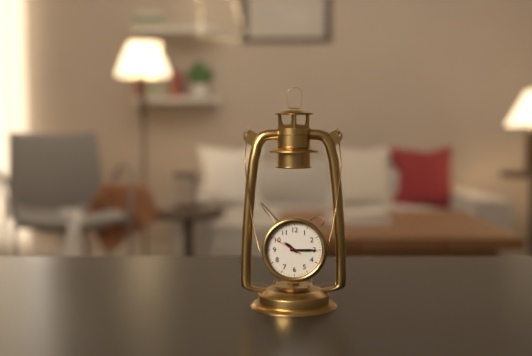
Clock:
10:15
